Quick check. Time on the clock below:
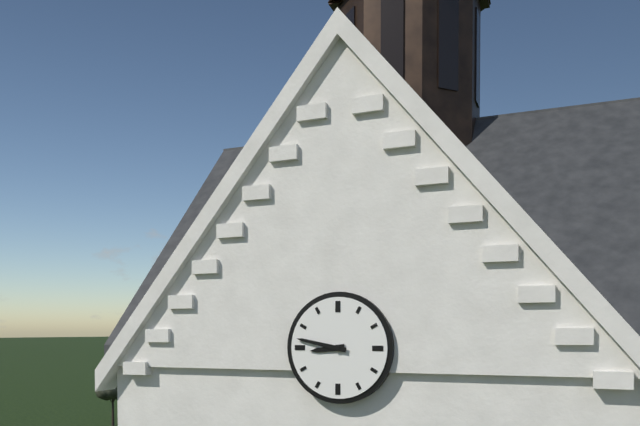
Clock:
8:47
